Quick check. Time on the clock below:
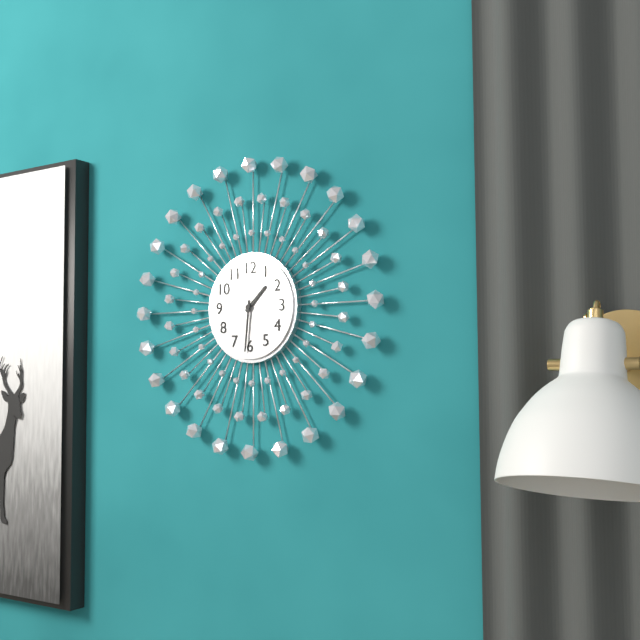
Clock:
1:31
